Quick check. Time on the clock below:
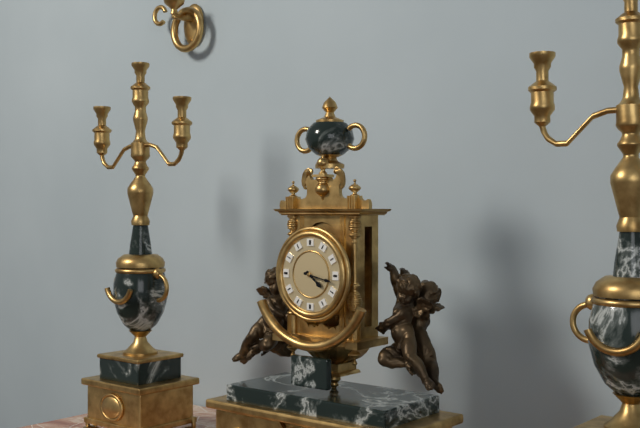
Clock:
4:17
